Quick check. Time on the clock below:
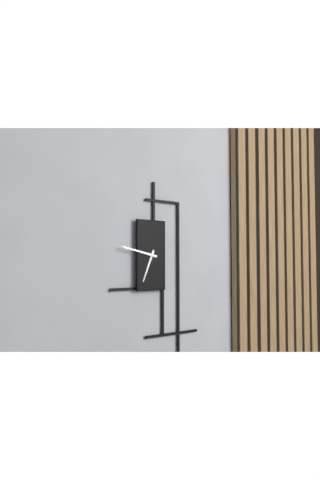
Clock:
6:47
